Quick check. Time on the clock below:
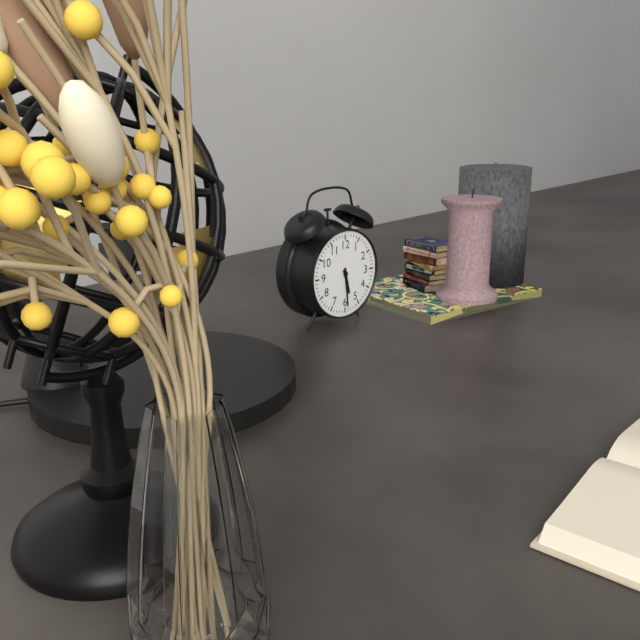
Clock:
5:29
